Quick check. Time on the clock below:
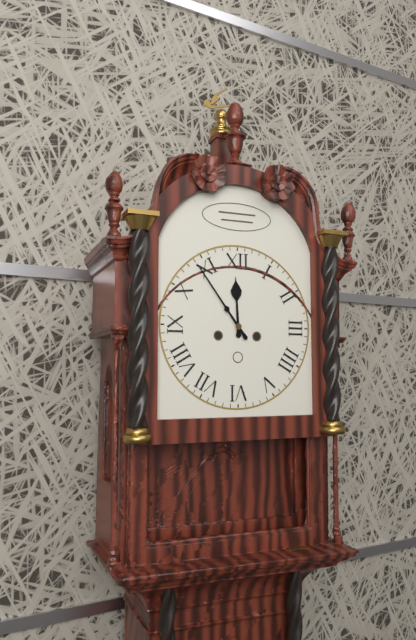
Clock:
11:54
